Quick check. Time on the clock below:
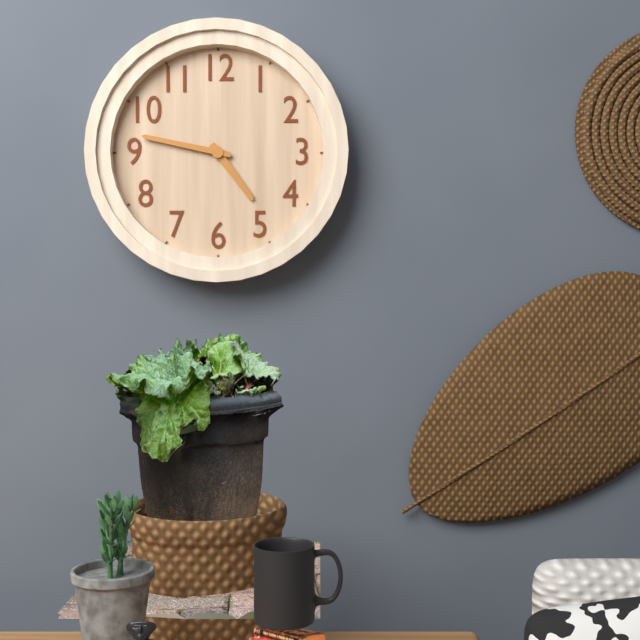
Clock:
4:47
